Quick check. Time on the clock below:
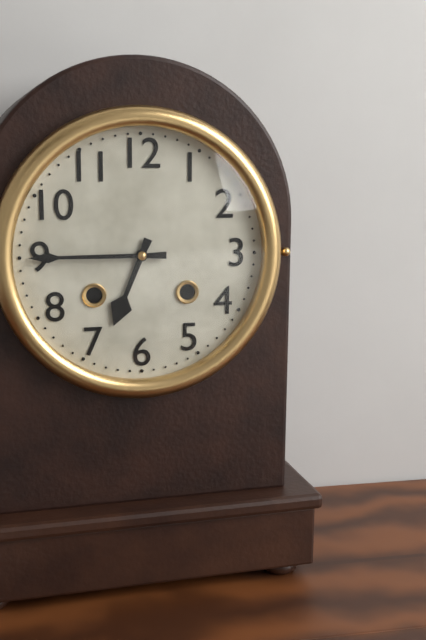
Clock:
6:45
